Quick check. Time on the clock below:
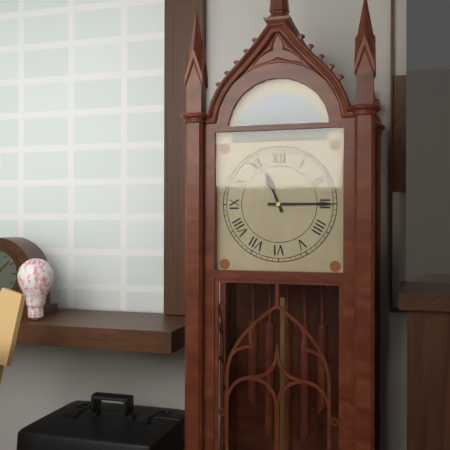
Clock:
11:15
